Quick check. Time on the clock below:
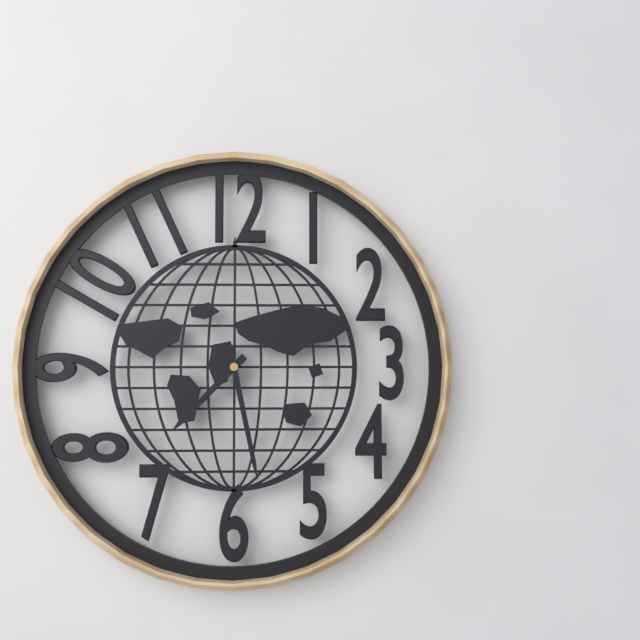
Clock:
7:28
